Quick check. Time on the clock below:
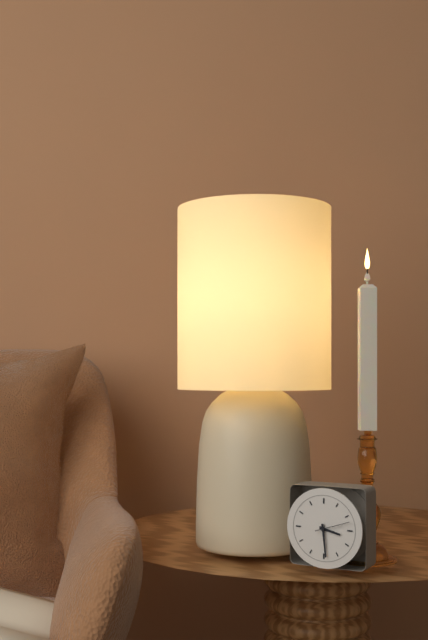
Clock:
3:29
